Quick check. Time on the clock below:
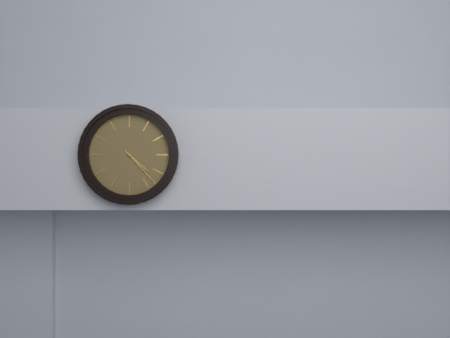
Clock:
4:23
